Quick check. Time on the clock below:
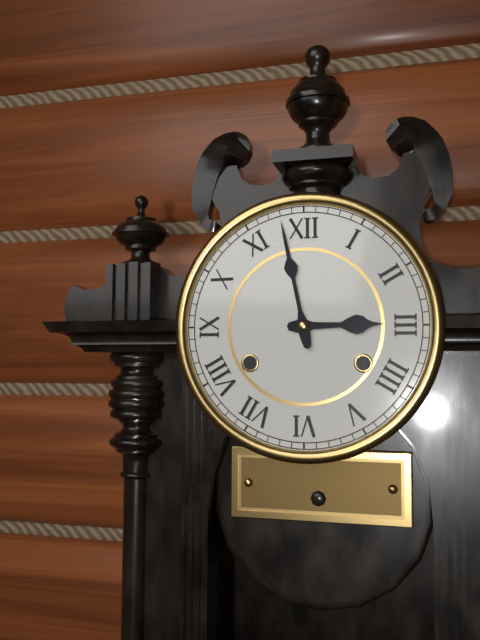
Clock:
2:58
